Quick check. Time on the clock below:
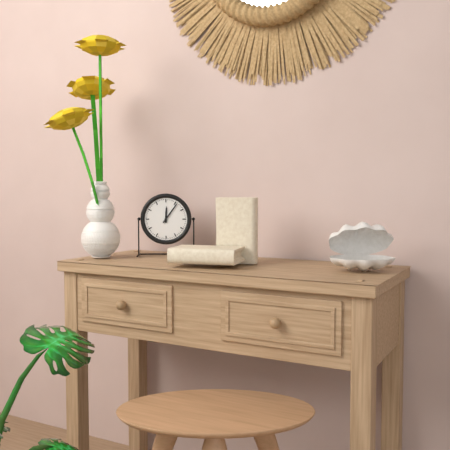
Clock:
12:06
